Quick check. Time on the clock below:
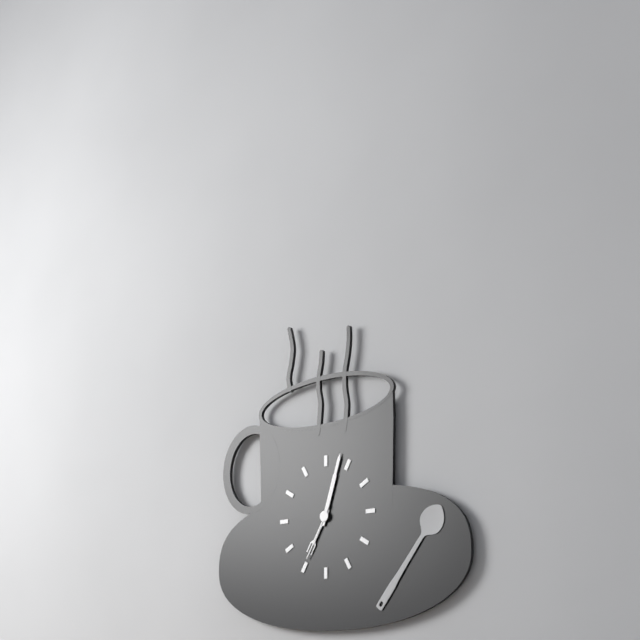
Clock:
7:03:35
